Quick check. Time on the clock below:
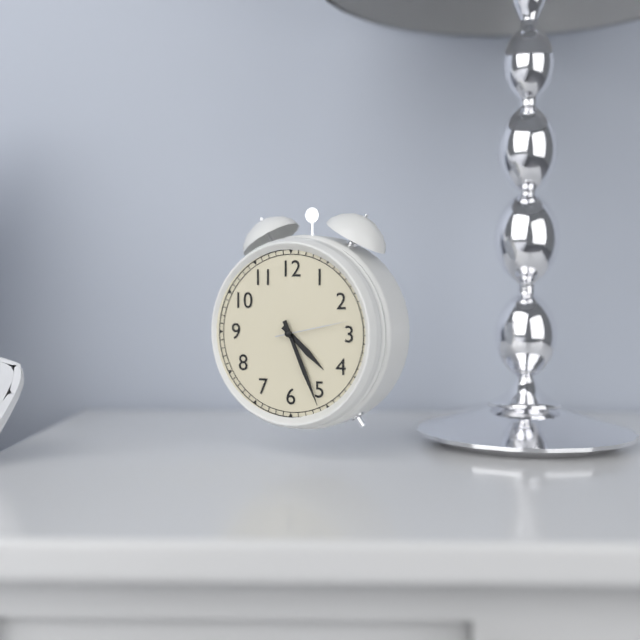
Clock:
4:26:13
